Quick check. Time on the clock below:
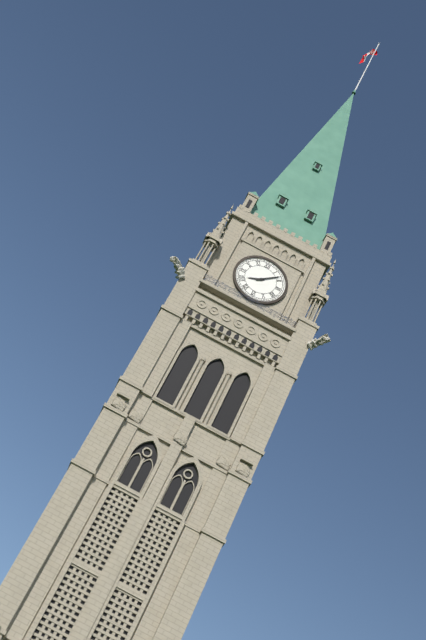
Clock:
8:08
